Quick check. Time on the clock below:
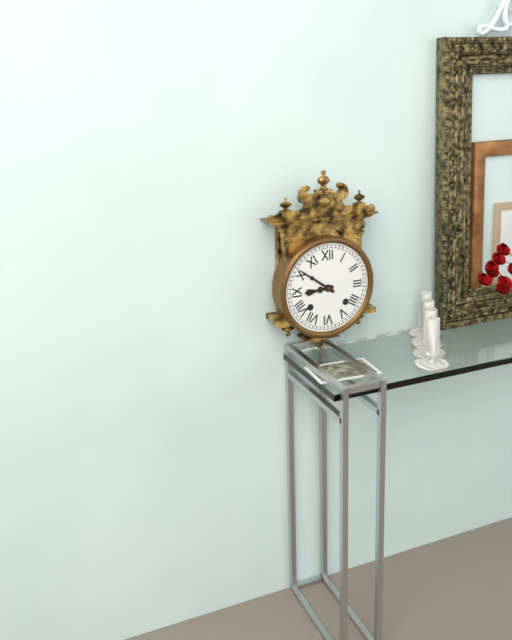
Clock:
8:51
